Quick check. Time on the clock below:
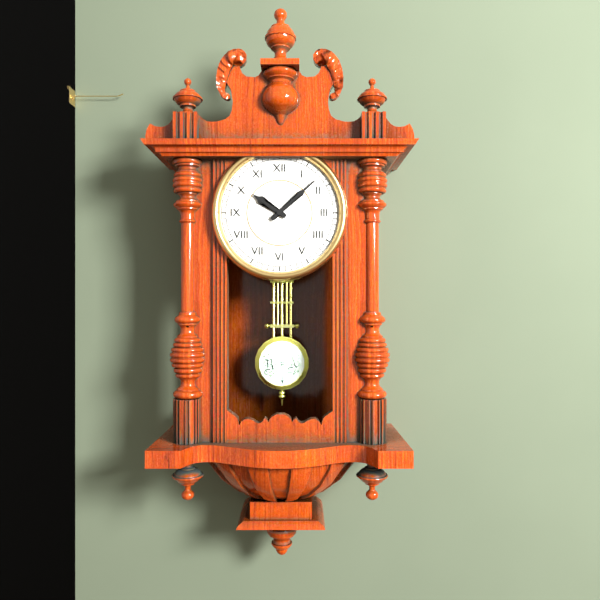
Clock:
10:08
